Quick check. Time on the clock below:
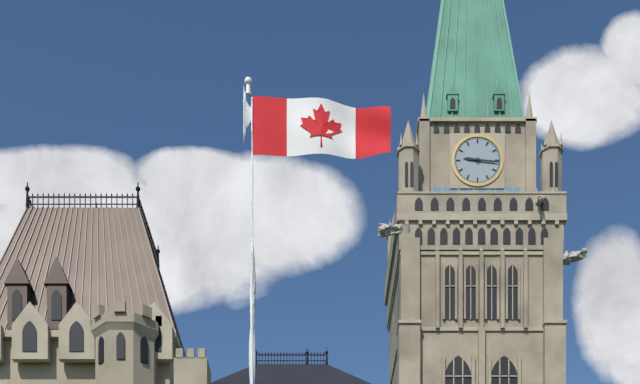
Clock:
9:16
